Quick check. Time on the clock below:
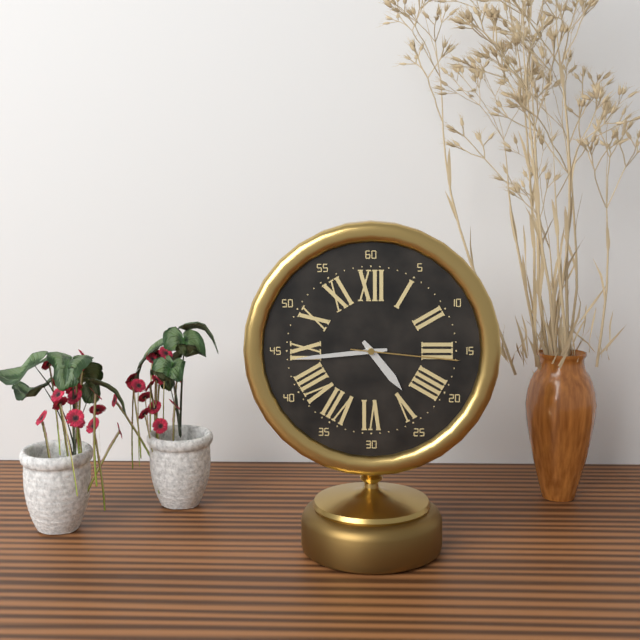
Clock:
4:44:16
